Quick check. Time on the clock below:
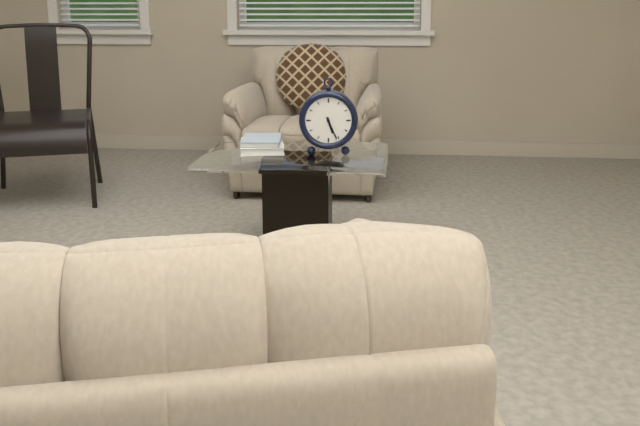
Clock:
5:26
